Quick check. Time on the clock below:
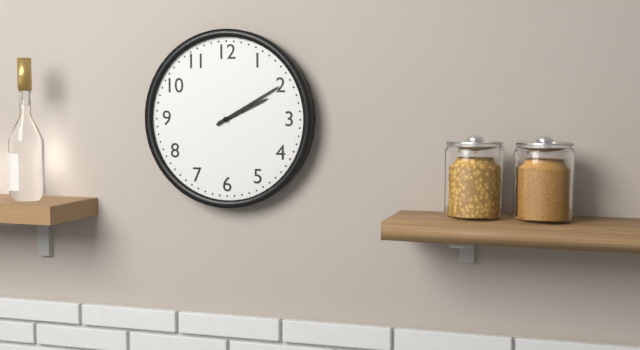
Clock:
2:10
